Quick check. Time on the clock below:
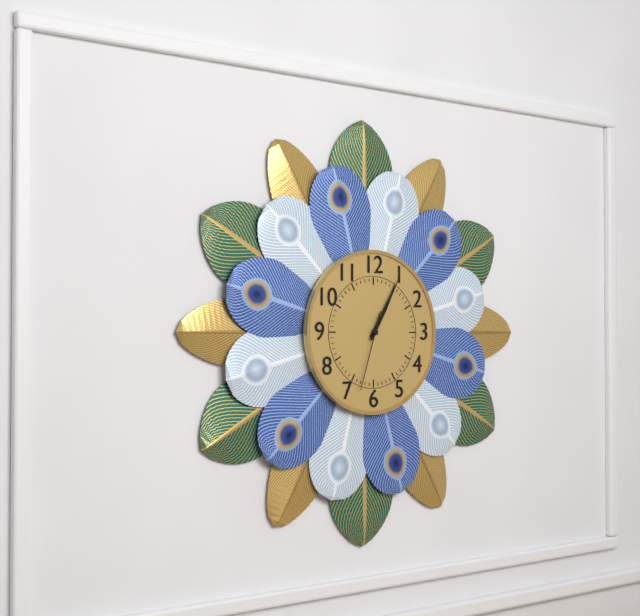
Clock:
1:05:33
